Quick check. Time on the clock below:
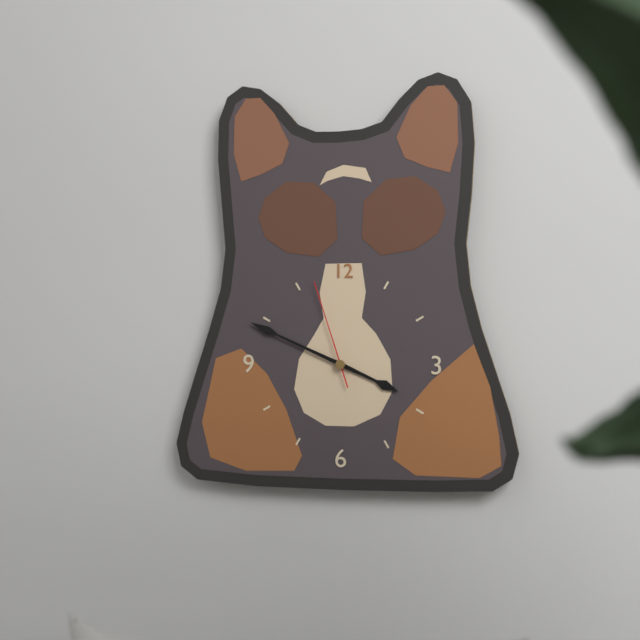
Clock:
3:49:57
